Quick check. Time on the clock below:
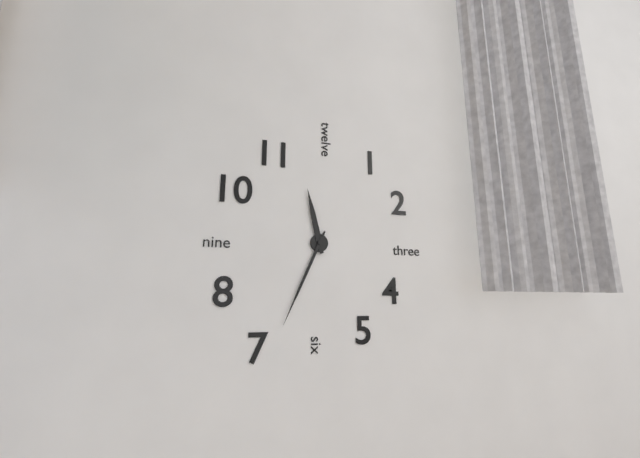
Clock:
11:34
